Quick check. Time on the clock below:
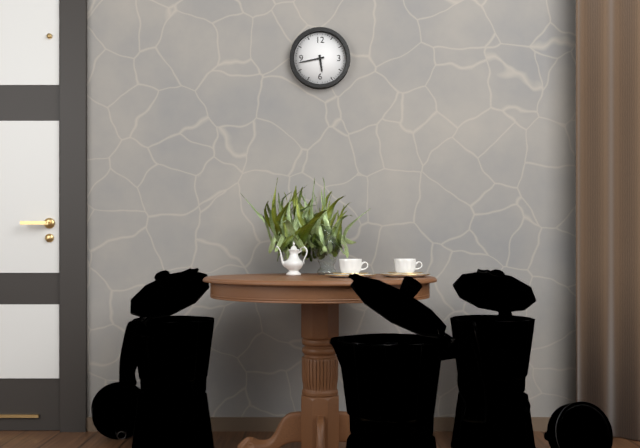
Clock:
5:43
